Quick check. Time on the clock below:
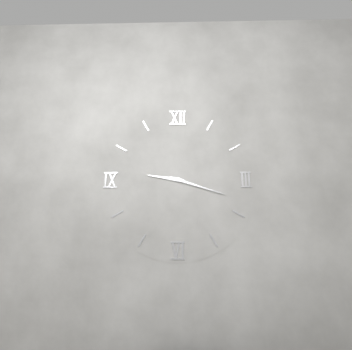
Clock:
9:18
